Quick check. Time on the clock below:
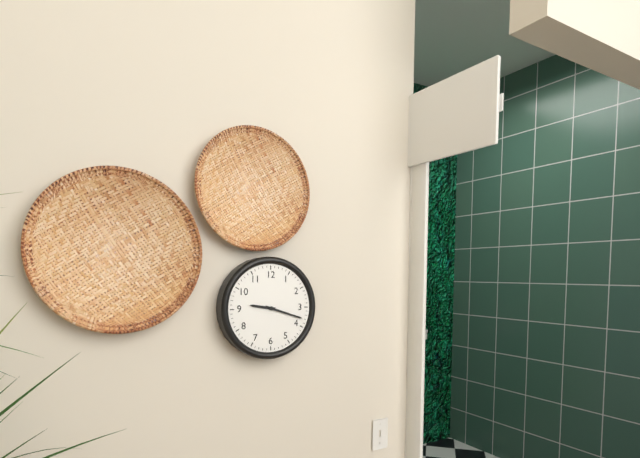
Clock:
9:18
